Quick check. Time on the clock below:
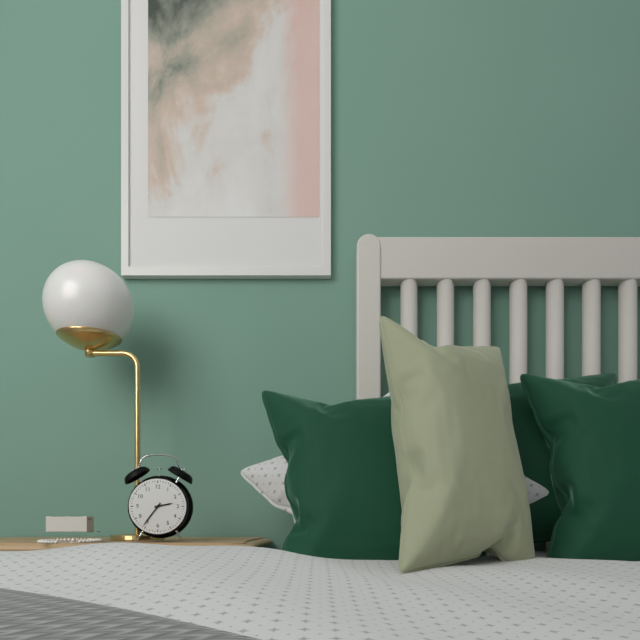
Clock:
2:36
